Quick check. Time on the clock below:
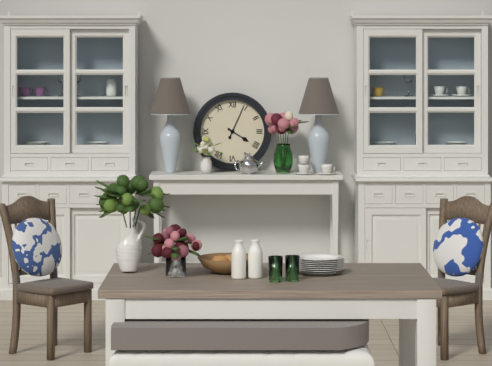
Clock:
4:04
